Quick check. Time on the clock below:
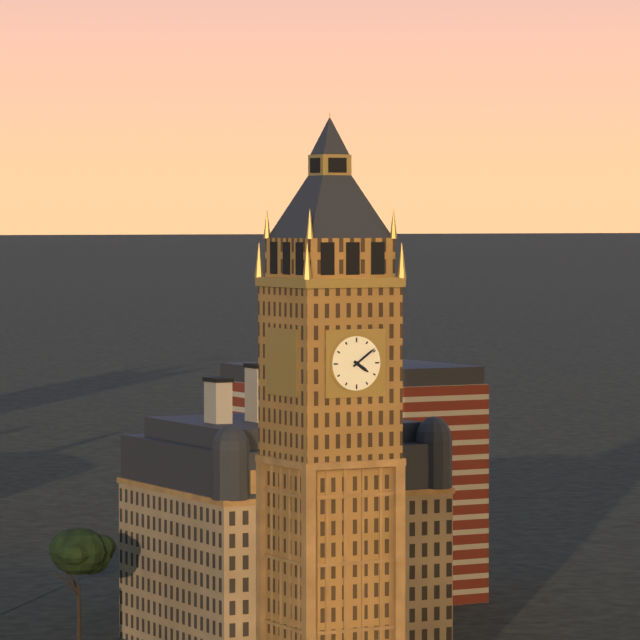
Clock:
4:09
